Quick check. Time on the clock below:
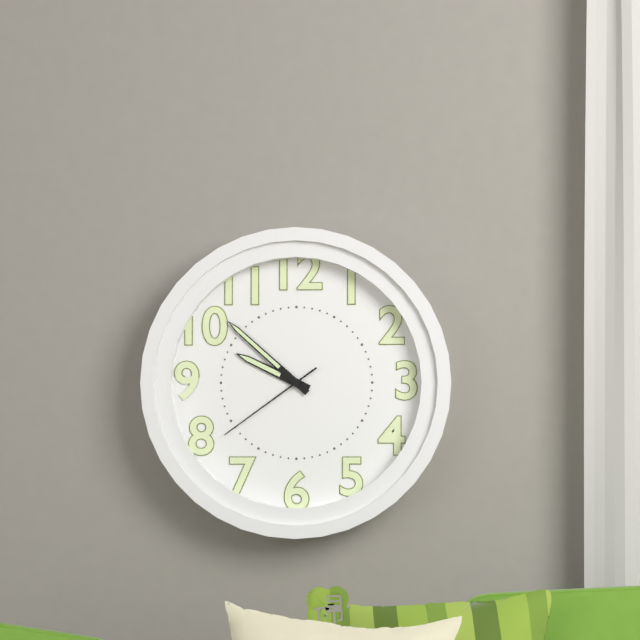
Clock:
9:52:39
